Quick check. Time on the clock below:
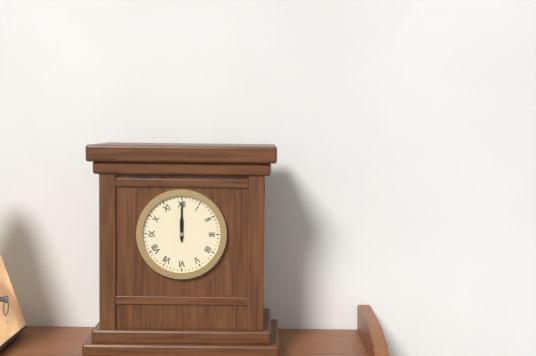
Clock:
12:00
